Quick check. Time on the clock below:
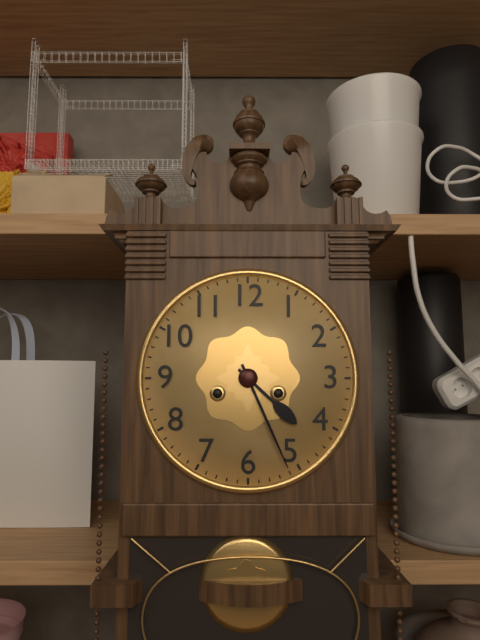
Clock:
4:26
